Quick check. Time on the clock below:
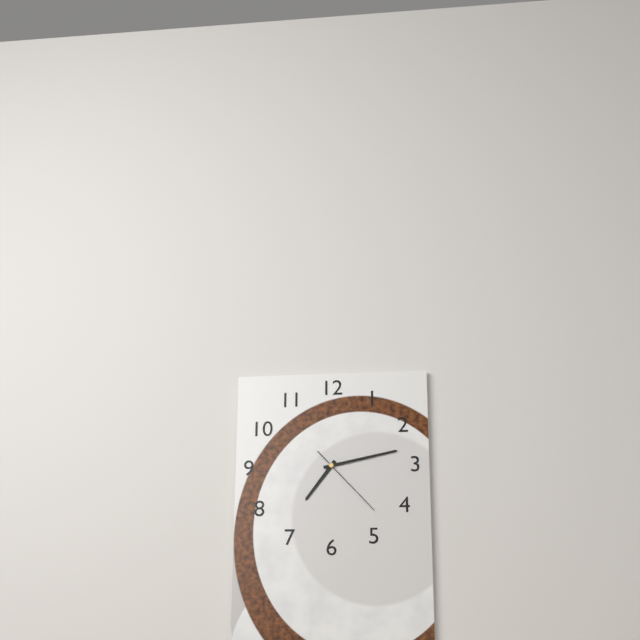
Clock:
7:13:23
